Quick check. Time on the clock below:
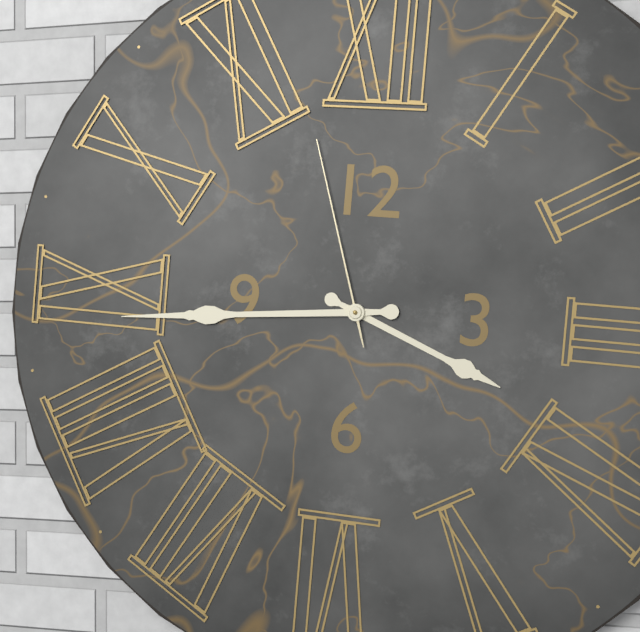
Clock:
3:44:57
